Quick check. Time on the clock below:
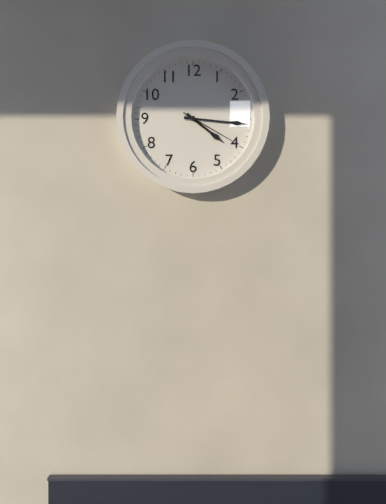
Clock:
4:16:20
